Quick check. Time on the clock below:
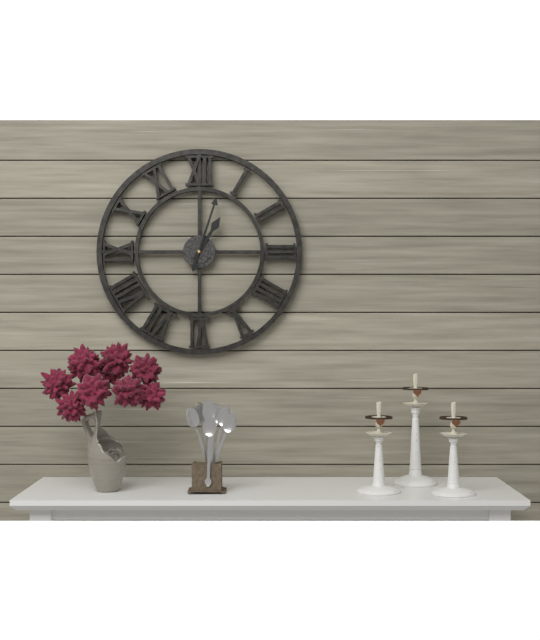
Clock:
1:03
